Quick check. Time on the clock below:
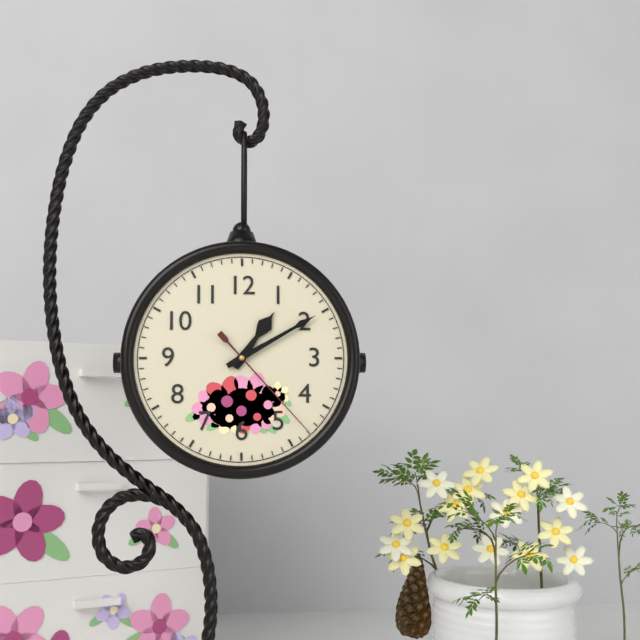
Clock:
1:10:23
